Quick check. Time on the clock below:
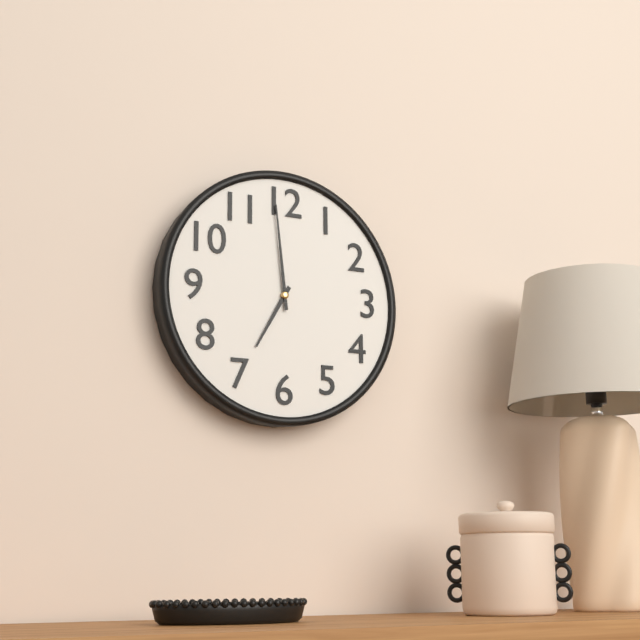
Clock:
6:59
